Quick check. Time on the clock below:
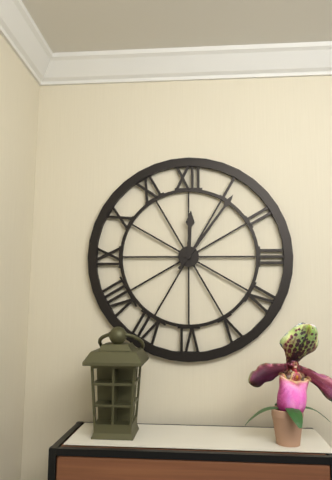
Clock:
12:06
